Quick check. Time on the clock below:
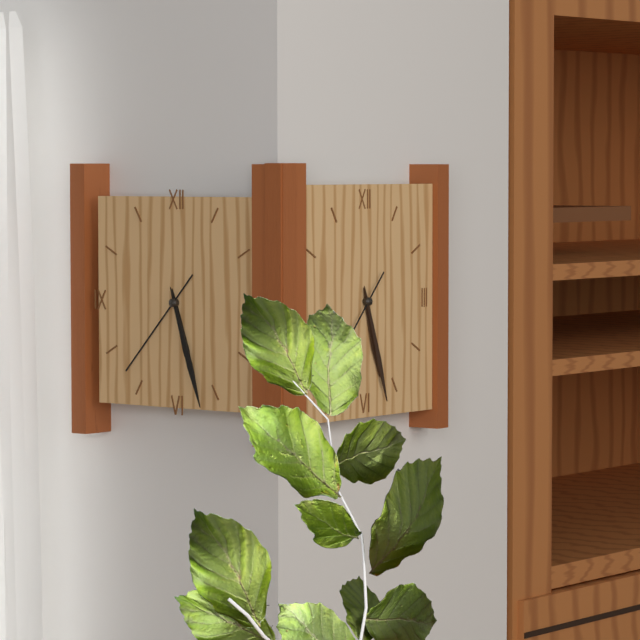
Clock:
5:27:37
